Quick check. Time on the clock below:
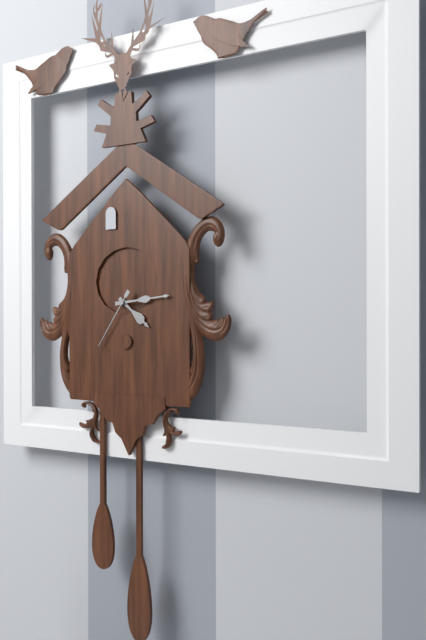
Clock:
4:14:36
